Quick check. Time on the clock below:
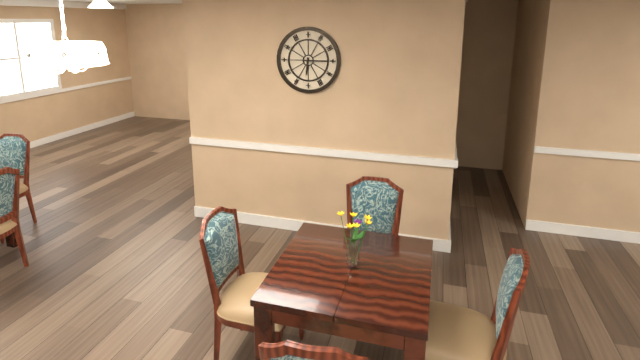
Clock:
6:15
